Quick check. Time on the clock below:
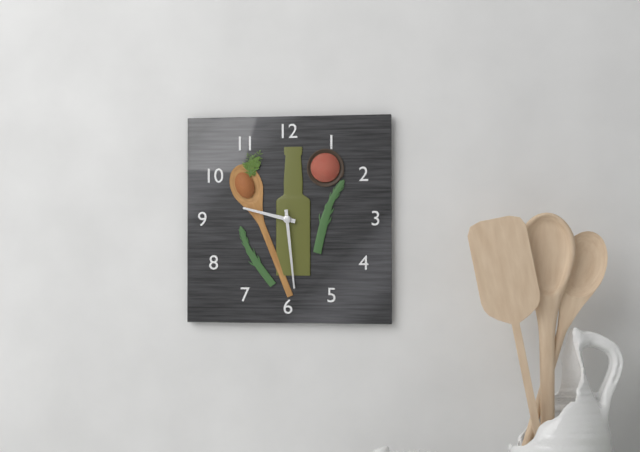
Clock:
9:29
